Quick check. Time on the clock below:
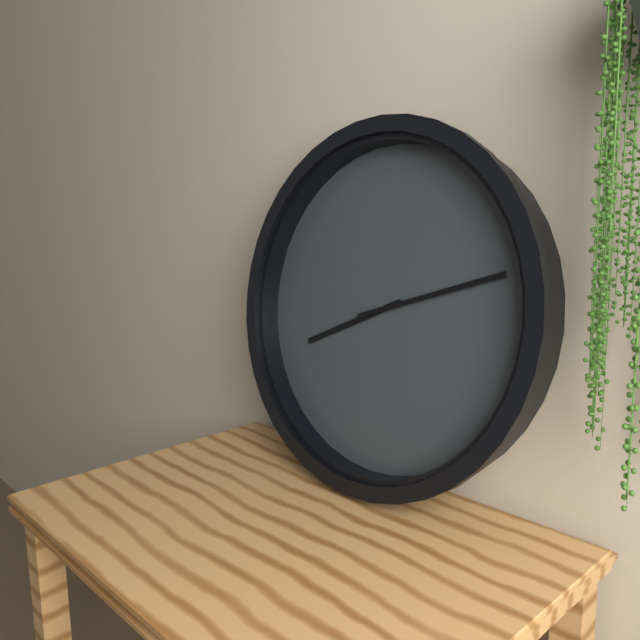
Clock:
8:12
